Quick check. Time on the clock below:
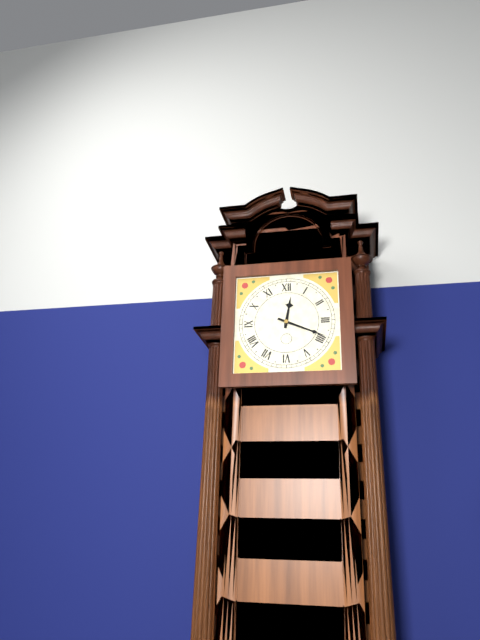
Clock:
12:19
